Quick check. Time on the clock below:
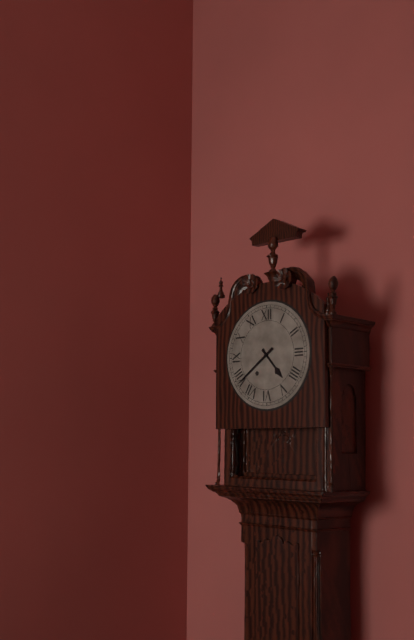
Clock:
4:39
